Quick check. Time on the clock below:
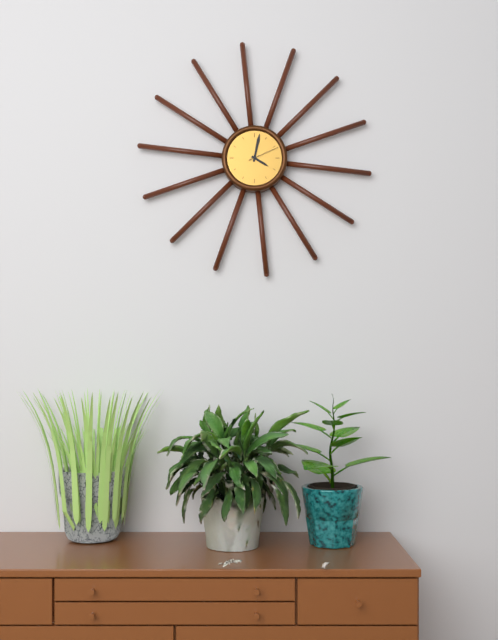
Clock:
4:02
